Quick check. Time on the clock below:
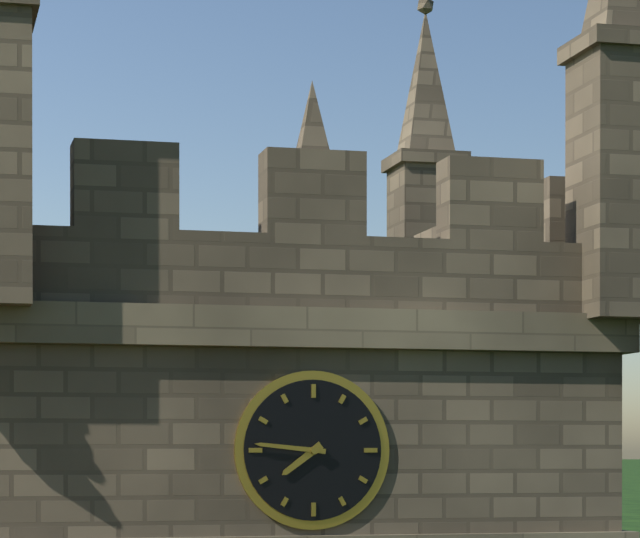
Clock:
7:46
